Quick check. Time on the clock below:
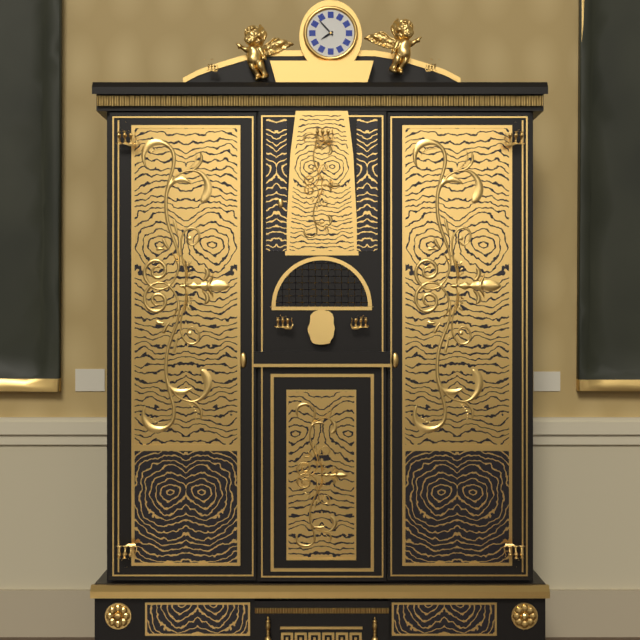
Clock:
7:53
